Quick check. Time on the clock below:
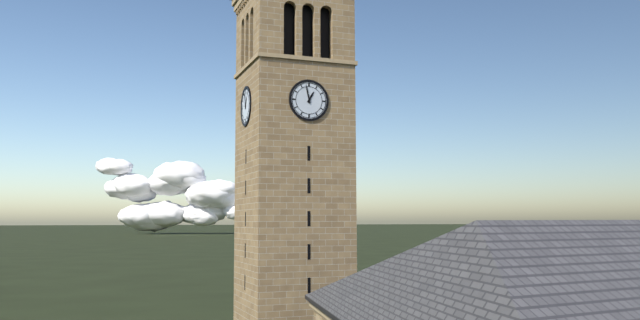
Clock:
12:58
